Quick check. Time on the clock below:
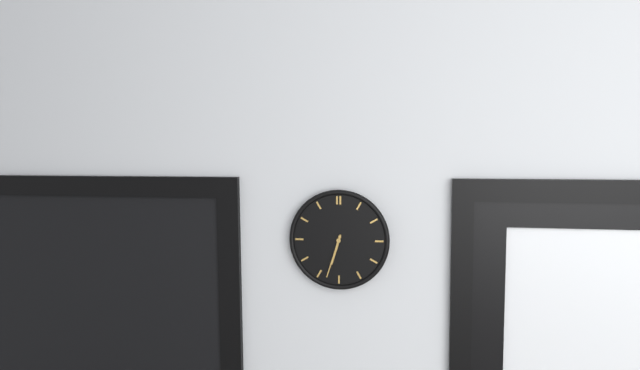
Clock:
6:33
